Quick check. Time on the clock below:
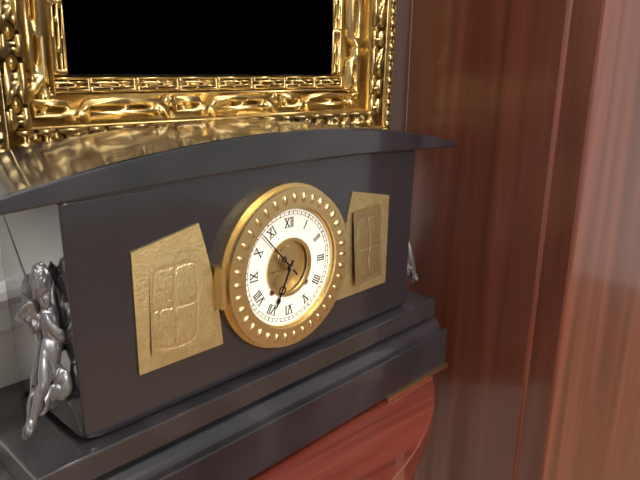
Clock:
6:53
